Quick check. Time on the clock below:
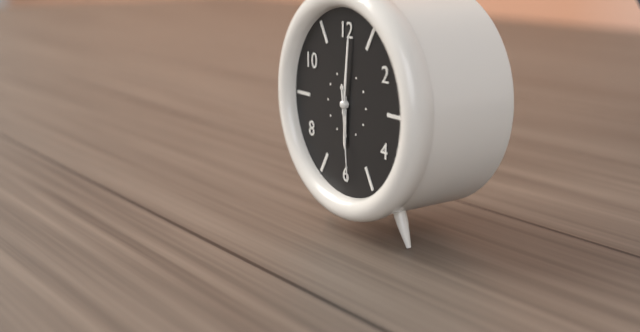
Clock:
6:01:29
